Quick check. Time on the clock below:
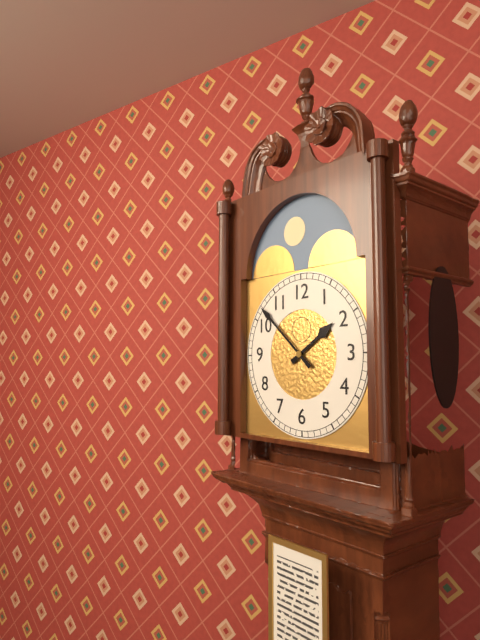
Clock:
1:52
